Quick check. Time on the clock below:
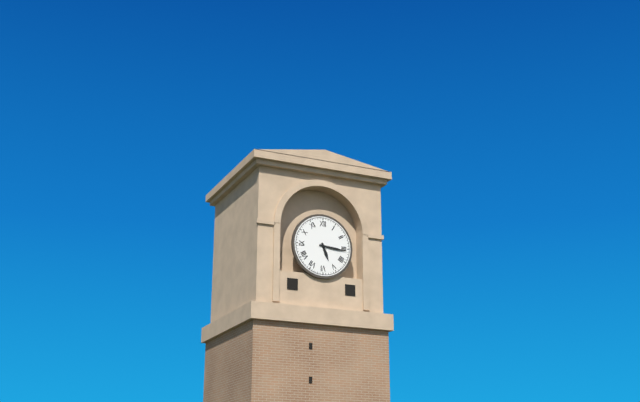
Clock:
5:16
